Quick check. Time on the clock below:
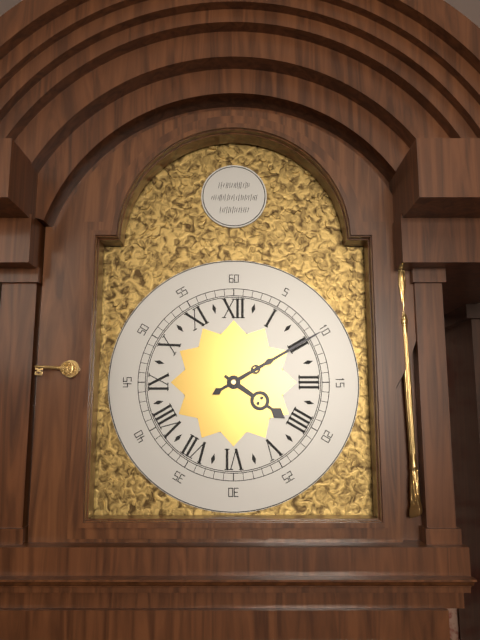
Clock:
4:10
